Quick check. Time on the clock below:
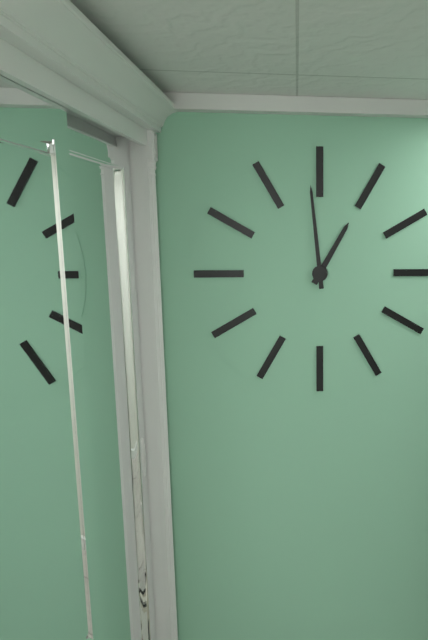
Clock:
12:59
